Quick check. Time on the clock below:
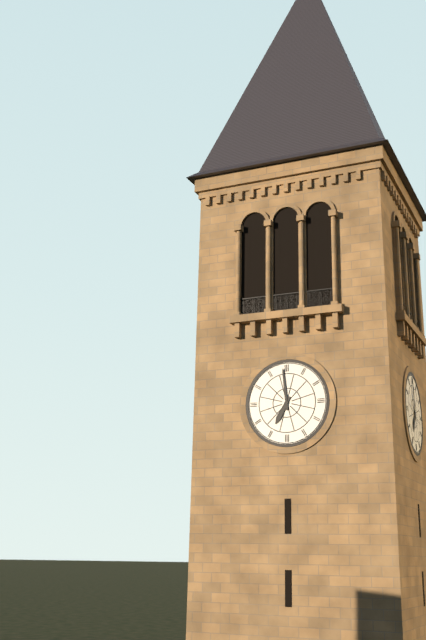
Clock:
6:59
